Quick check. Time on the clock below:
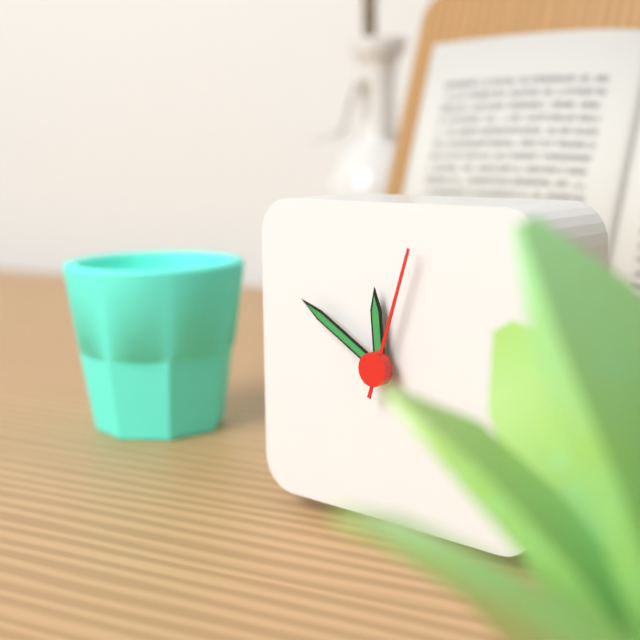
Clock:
11:50:03
